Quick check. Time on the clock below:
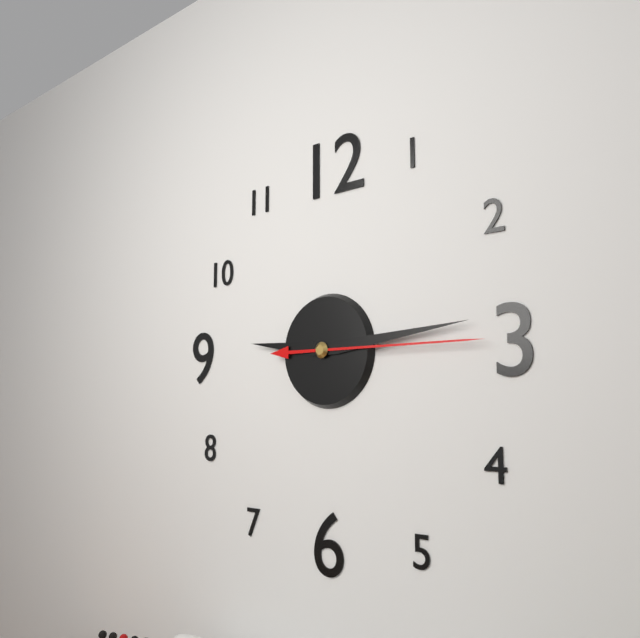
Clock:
9:14:15
